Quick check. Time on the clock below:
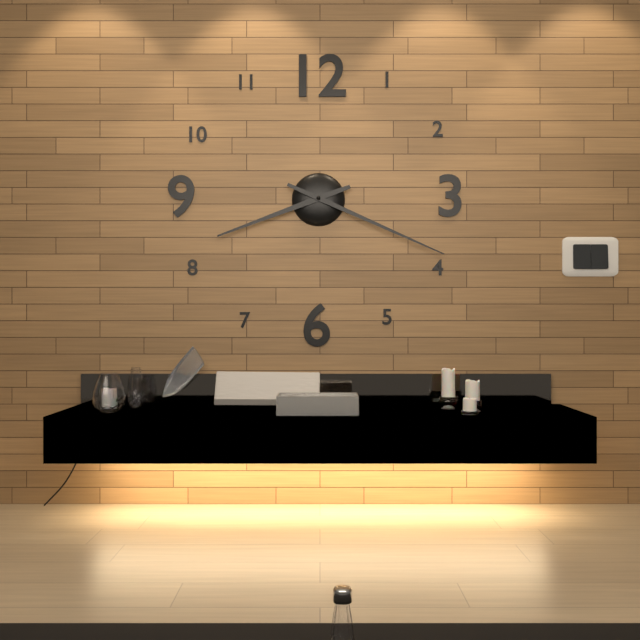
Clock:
8:19
